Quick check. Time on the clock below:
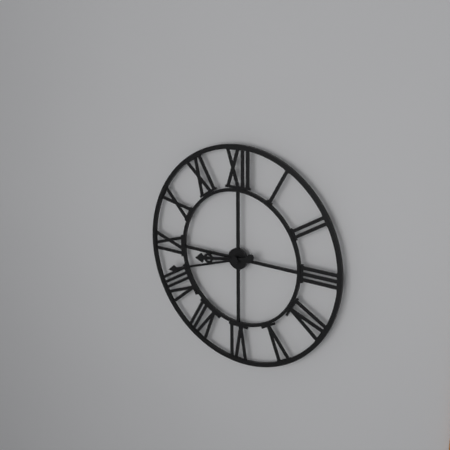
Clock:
8:42
